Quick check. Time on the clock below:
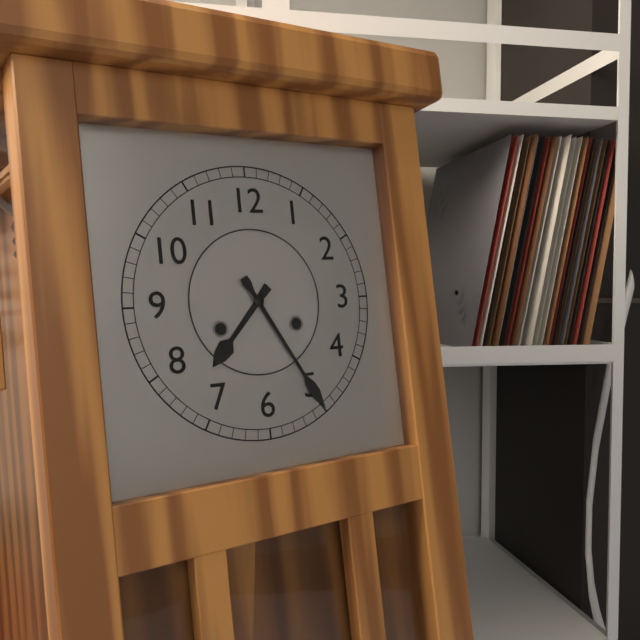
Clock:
7:25
